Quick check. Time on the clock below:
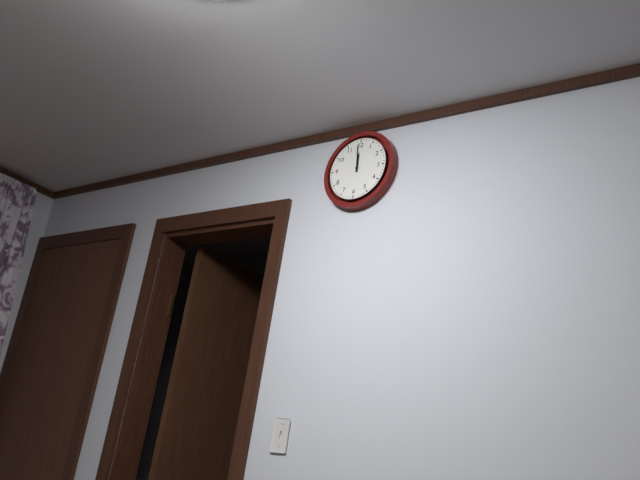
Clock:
11:59
